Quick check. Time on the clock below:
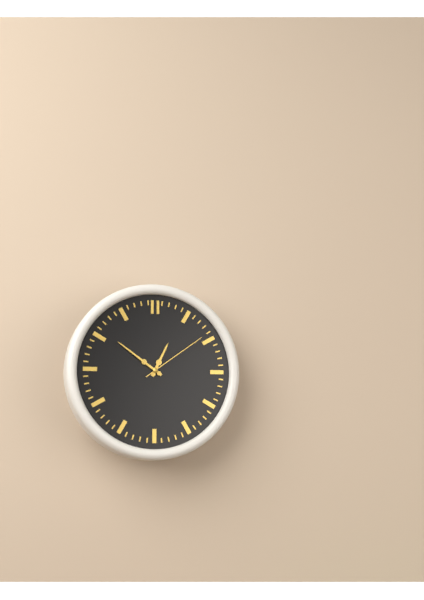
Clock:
12:51:09
